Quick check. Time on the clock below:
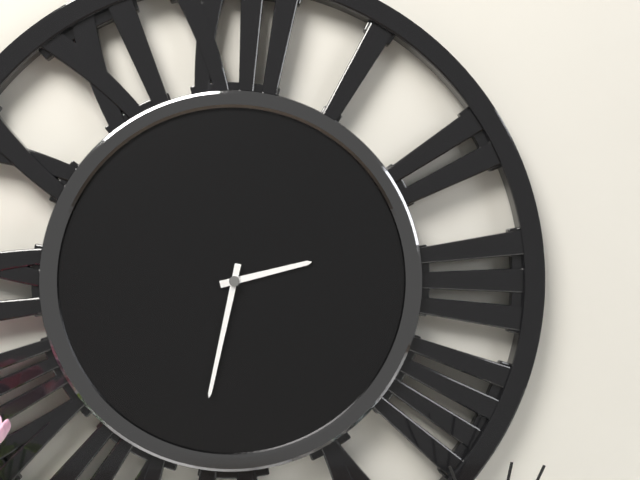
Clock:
2:32
